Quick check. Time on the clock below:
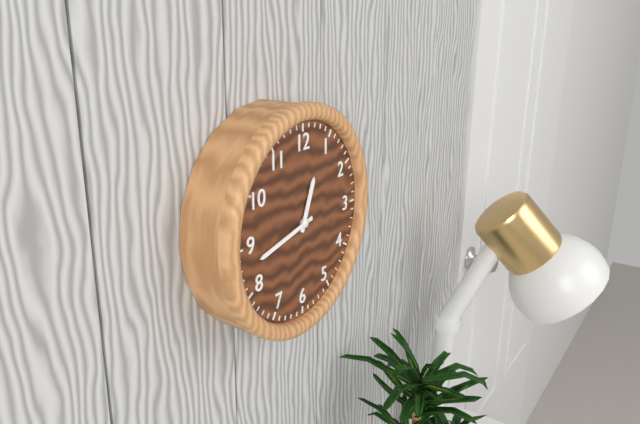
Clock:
12:43
